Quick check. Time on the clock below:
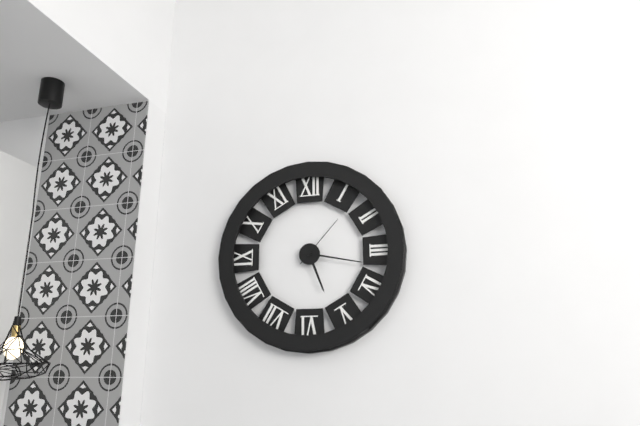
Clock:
5:17:07
